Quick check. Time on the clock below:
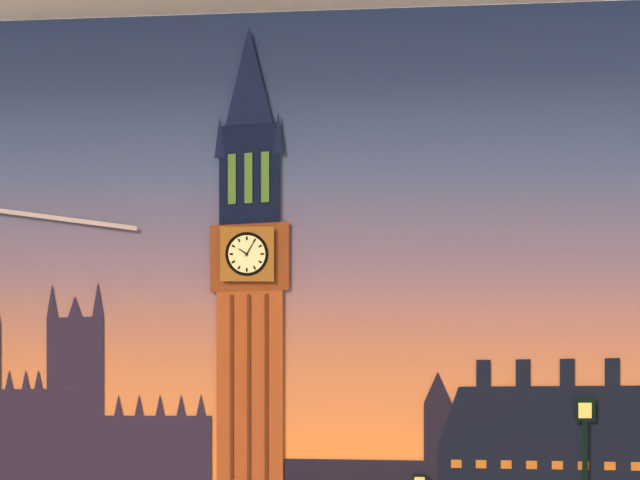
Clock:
10:05
